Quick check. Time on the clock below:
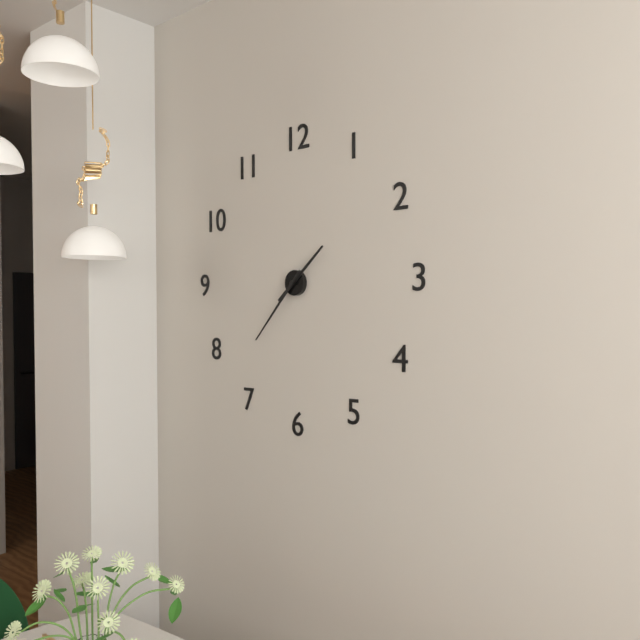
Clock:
1:37
